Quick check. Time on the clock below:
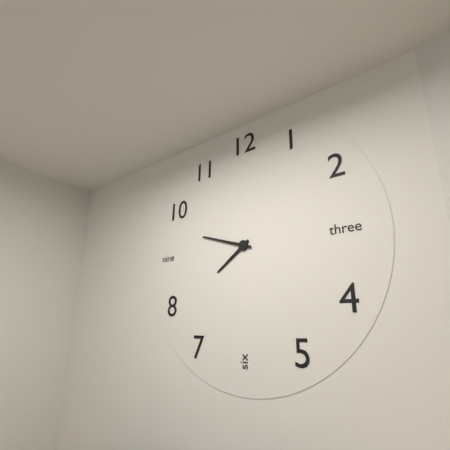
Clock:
7:48
